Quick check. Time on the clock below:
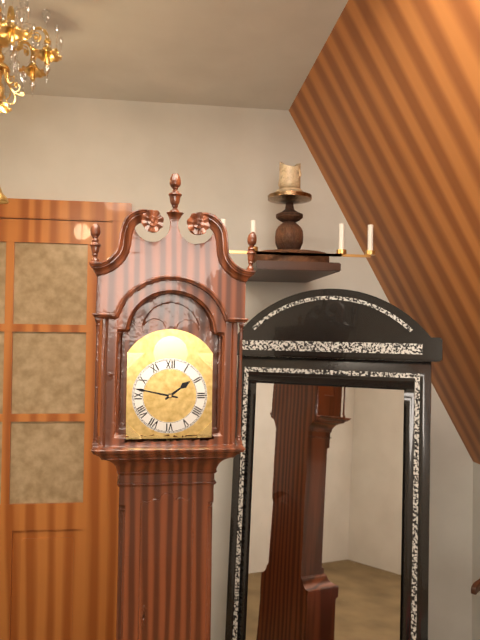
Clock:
1:47
